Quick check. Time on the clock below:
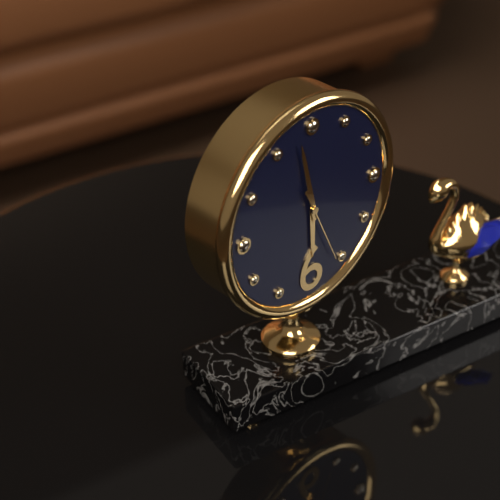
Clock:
5:58:26
